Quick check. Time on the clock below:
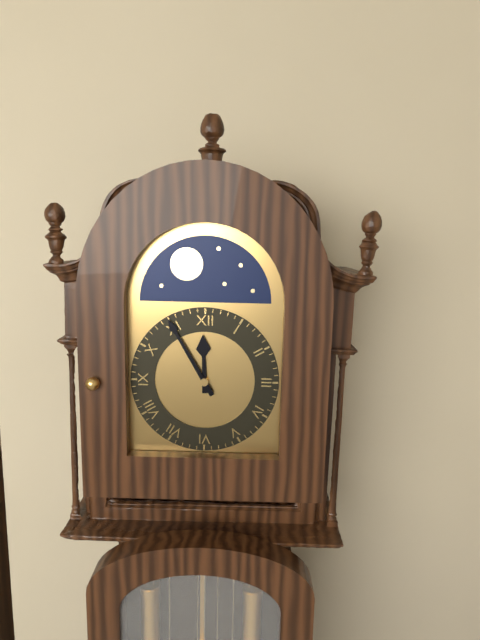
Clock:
11:55
